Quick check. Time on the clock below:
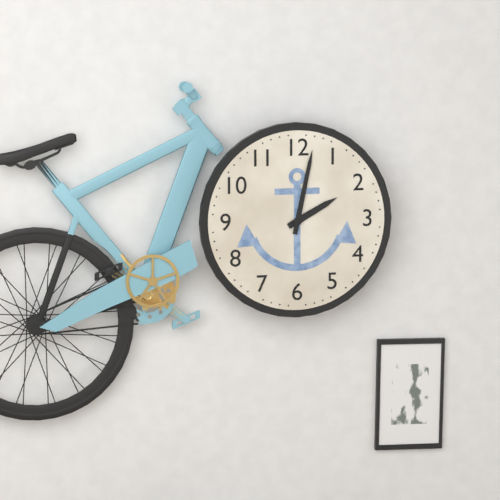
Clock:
2:02
